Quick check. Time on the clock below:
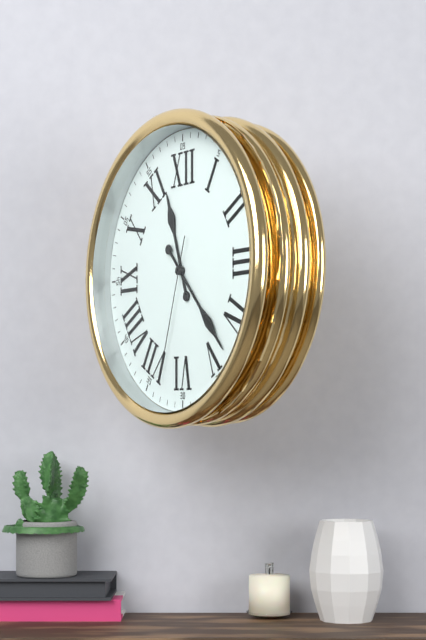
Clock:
11:23:33
